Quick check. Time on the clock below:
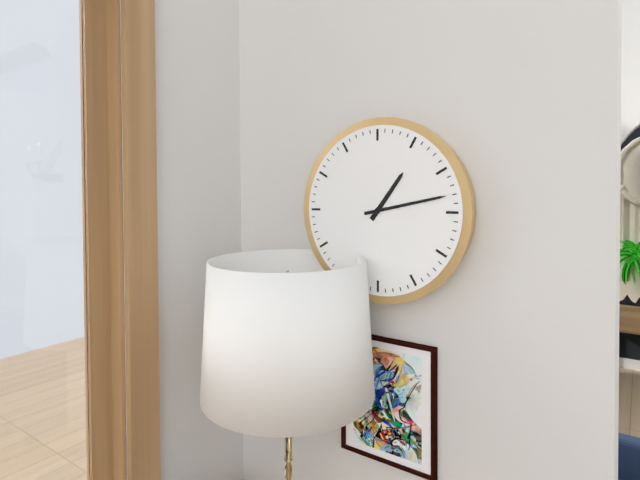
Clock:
1:13
